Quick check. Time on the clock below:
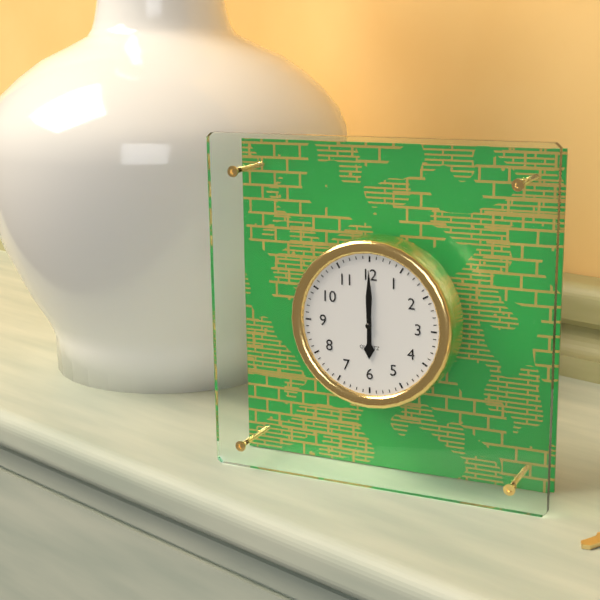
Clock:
6:00
